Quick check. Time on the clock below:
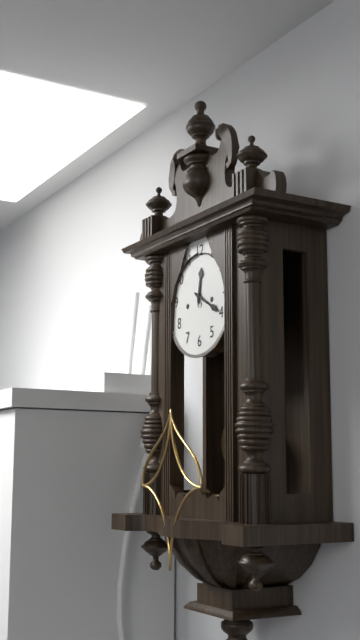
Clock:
12:20
